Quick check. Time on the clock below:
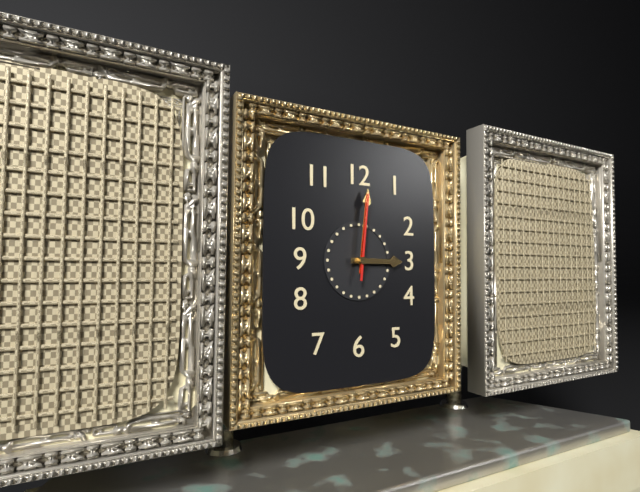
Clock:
3:01:01
